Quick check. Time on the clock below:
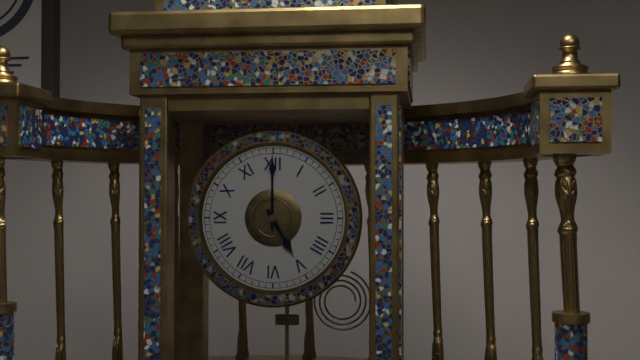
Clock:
5:00
